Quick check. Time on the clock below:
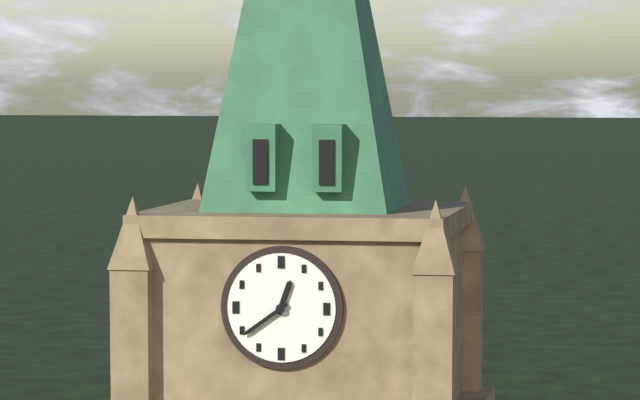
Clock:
12:39
